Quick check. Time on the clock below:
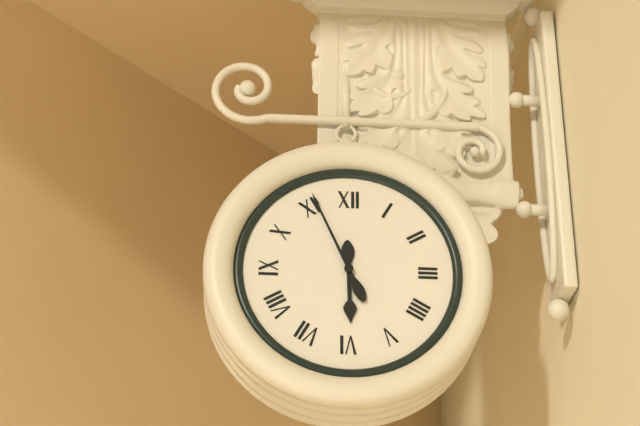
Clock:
5:56
